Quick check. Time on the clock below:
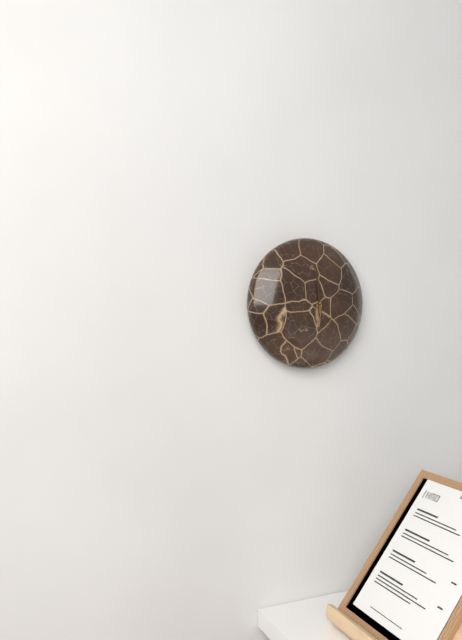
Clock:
5:59
